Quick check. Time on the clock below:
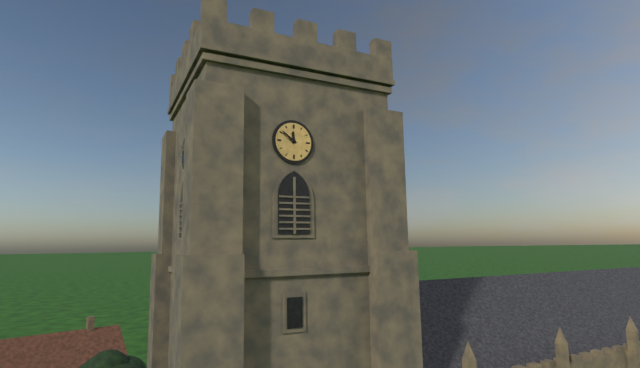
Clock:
11:51
